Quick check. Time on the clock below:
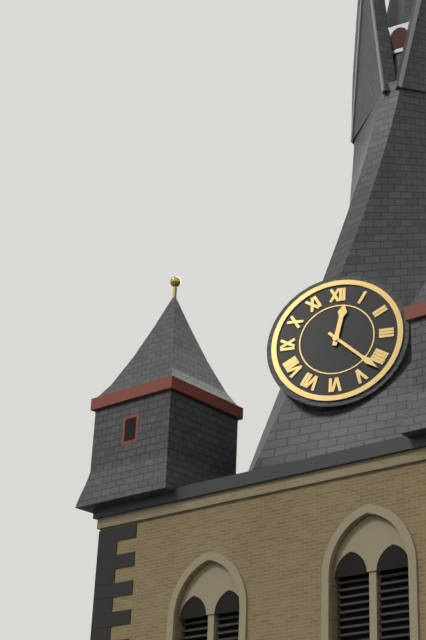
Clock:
12:22
